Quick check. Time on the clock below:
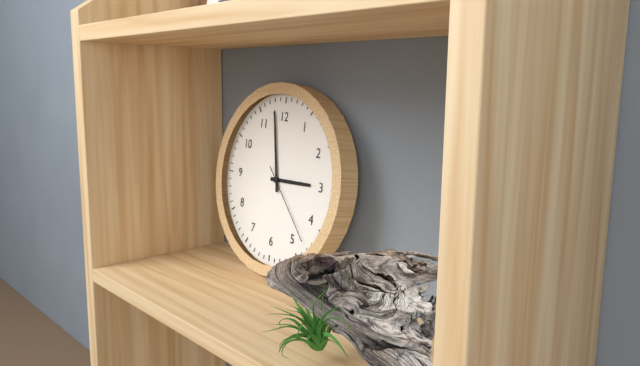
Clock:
2:58:23
